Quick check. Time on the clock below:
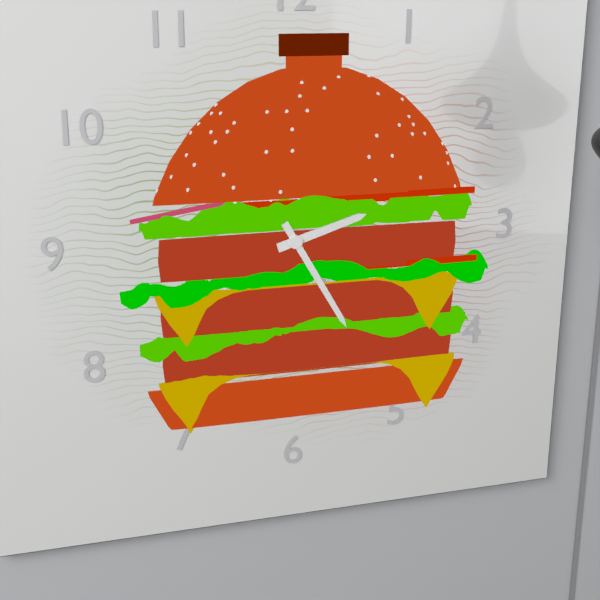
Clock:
2:25
